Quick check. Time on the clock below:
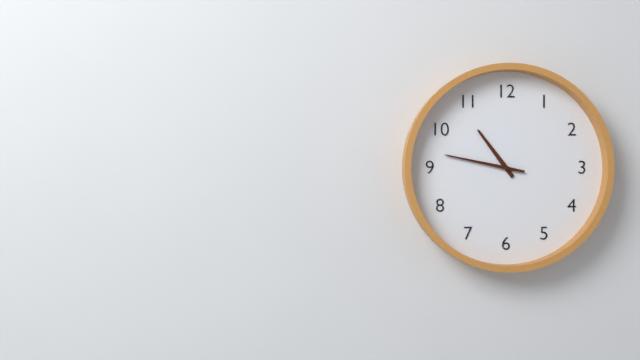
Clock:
10:47
